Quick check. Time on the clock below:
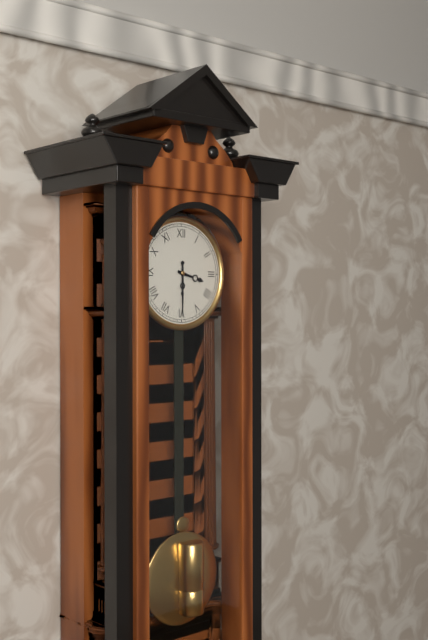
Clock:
3:30
